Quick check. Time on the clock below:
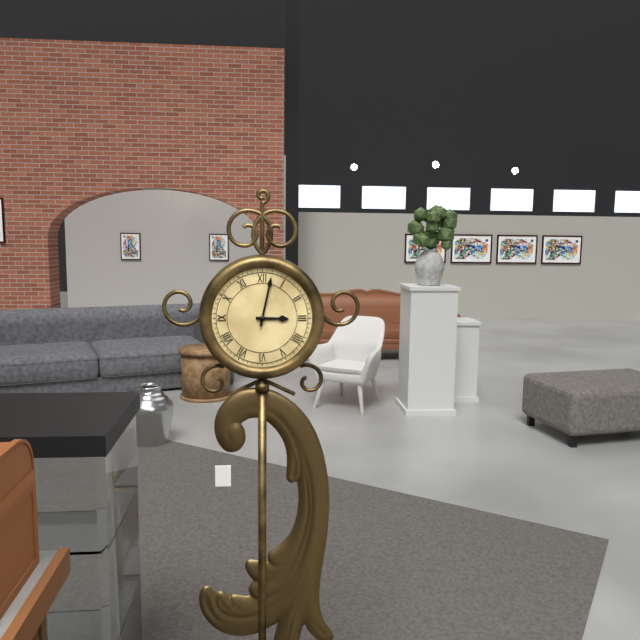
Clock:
3:02
